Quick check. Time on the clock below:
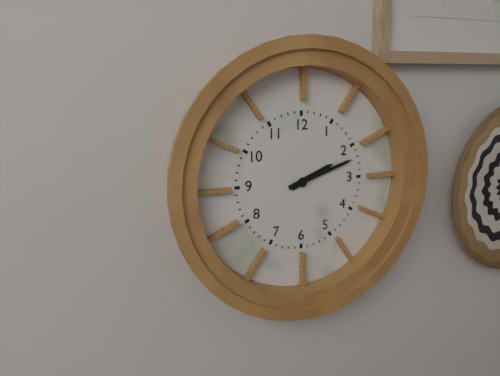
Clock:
2:12
